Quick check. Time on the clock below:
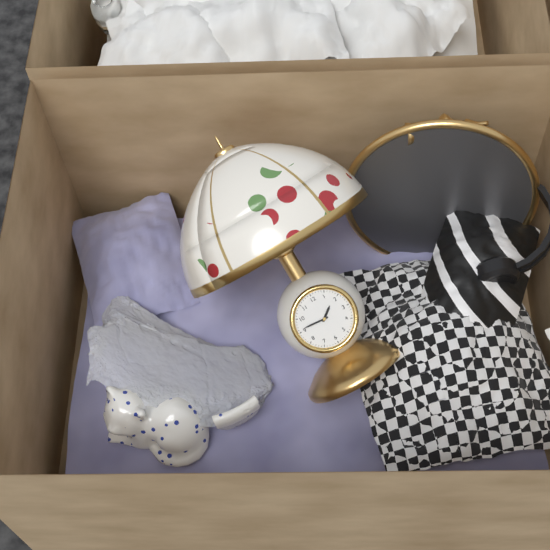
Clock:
1:46
